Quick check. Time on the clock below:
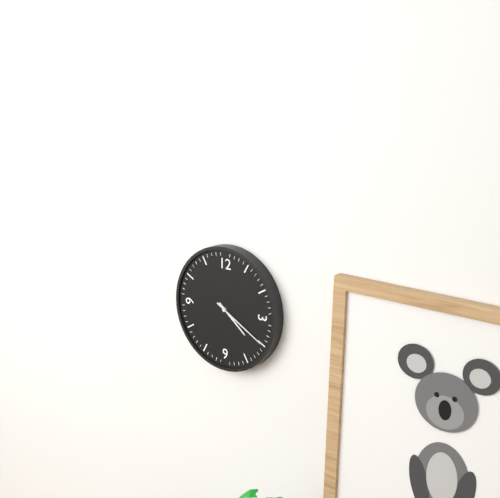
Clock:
4:20
